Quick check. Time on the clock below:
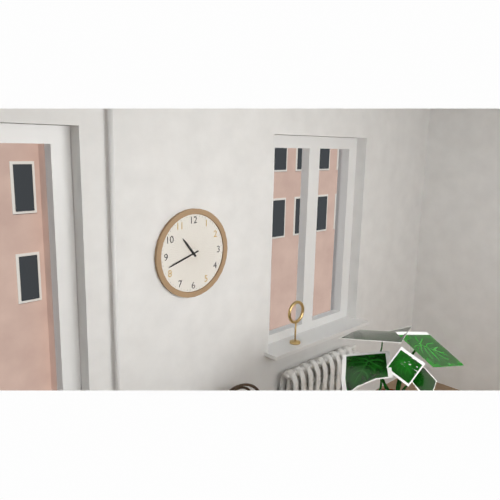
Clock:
10:42
